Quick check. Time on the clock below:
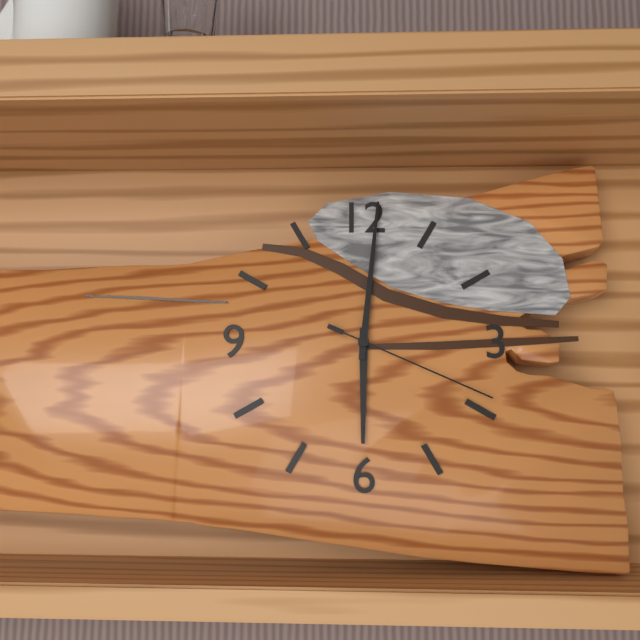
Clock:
6:01:19
